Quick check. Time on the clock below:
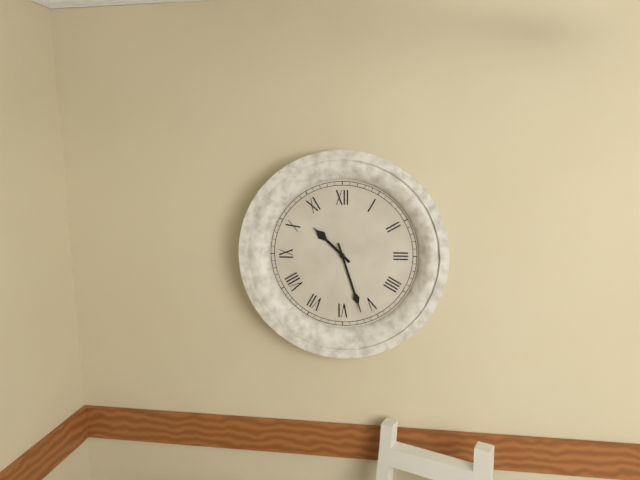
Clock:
10:27
